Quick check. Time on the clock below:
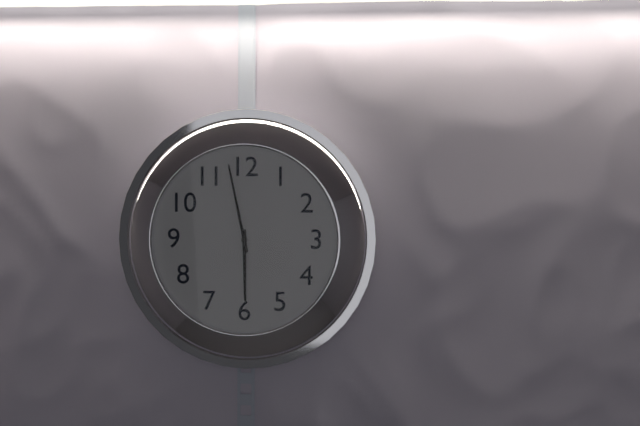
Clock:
5:58
